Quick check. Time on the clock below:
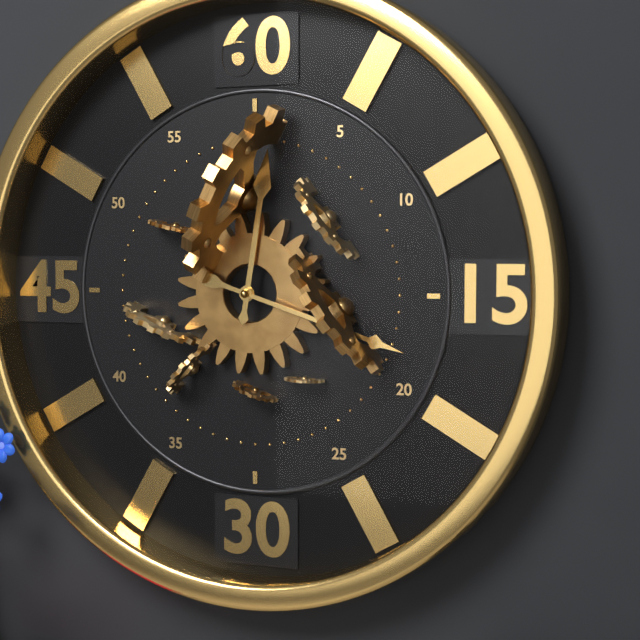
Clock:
12:18
